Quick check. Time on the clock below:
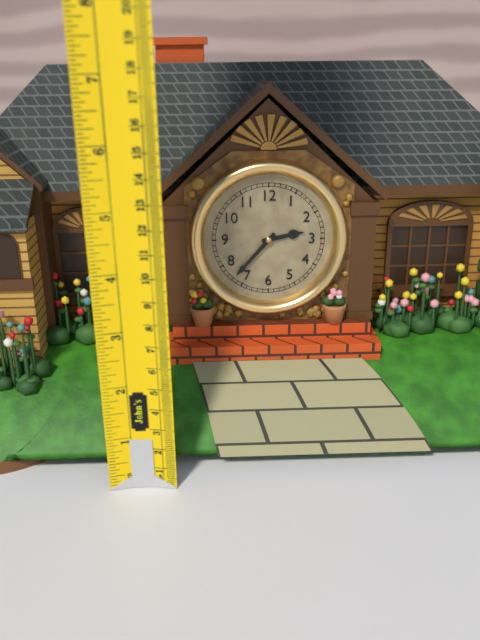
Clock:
2:37
